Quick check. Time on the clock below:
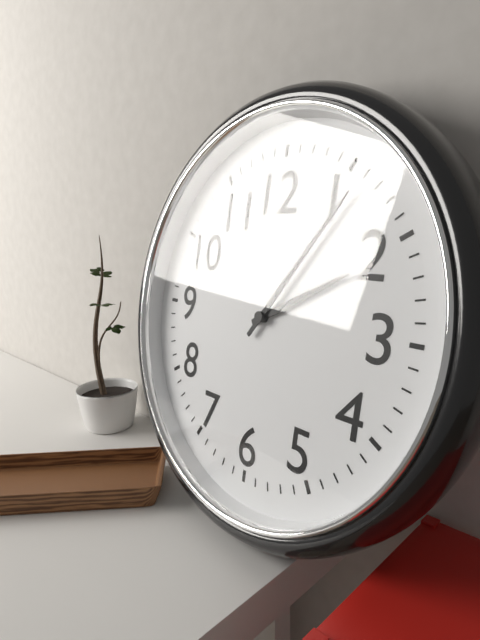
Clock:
2:06
